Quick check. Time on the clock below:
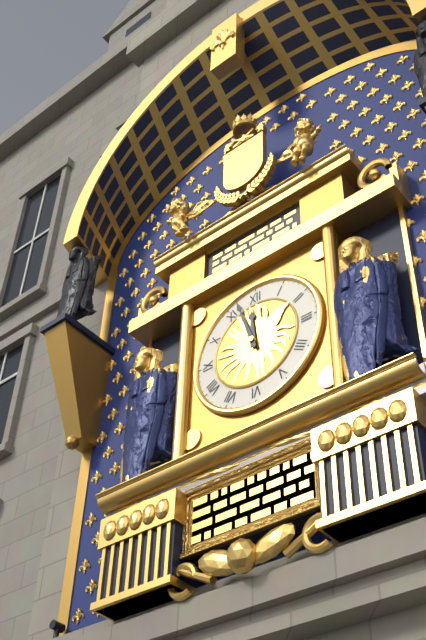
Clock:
11:57
